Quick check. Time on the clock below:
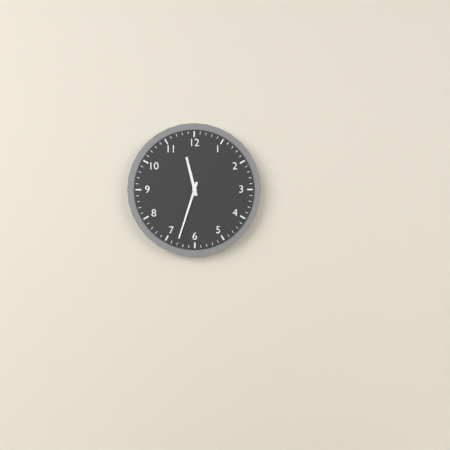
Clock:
11:33
